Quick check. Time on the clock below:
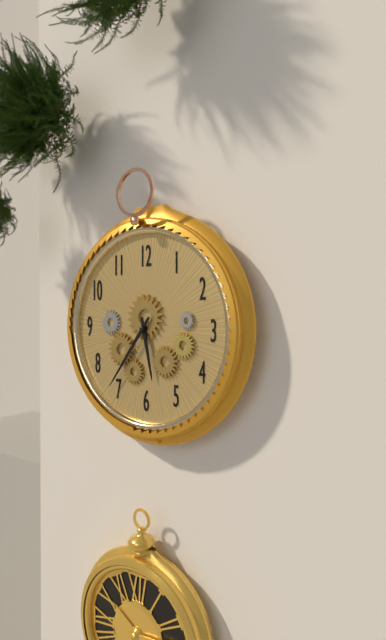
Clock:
5:36
